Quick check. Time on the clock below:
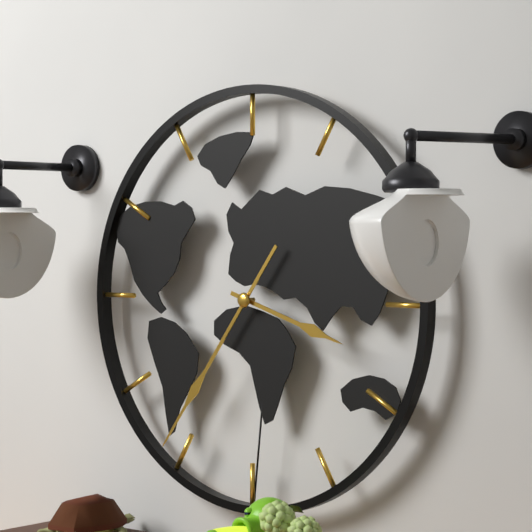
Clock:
3:36
